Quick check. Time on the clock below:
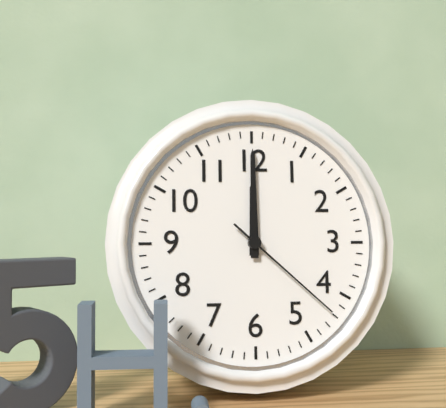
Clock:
12:00:22
